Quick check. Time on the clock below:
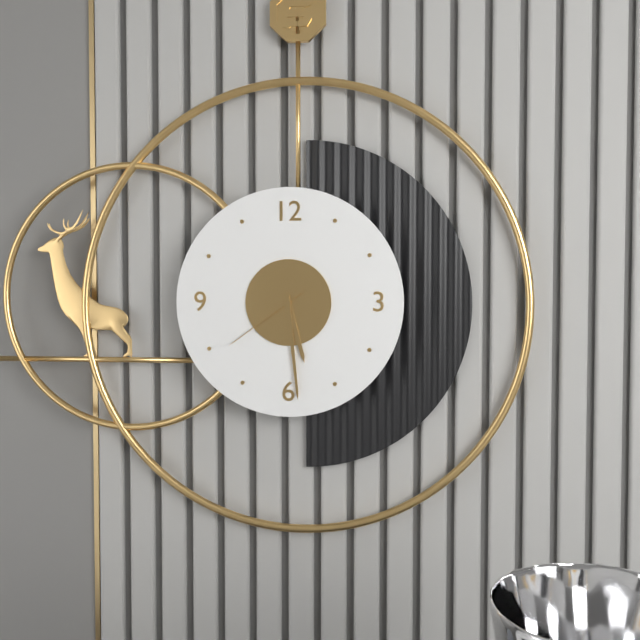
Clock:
5:29:39
